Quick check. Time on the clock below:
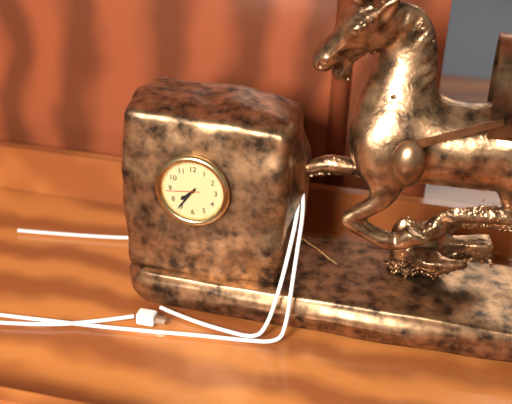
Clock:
7:36
